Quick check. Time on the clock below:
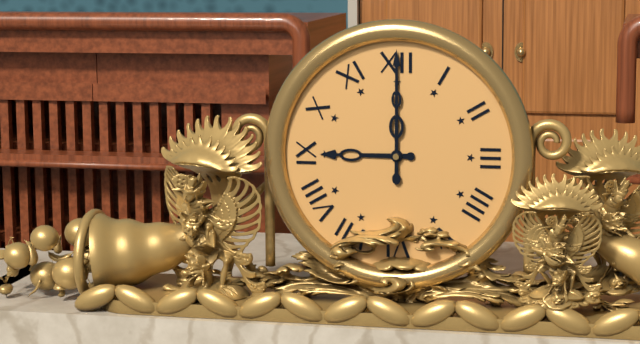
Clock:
9:00
